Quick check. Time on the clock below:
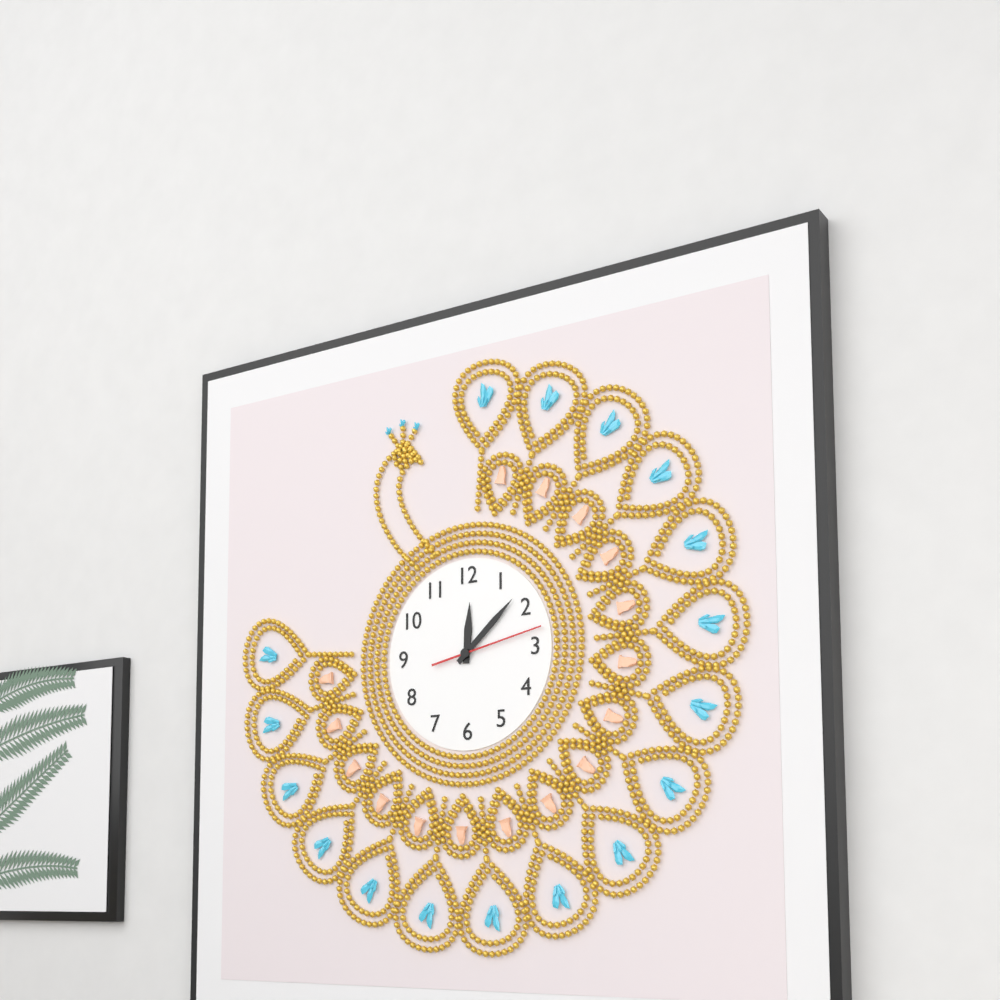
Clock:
12:08:13
